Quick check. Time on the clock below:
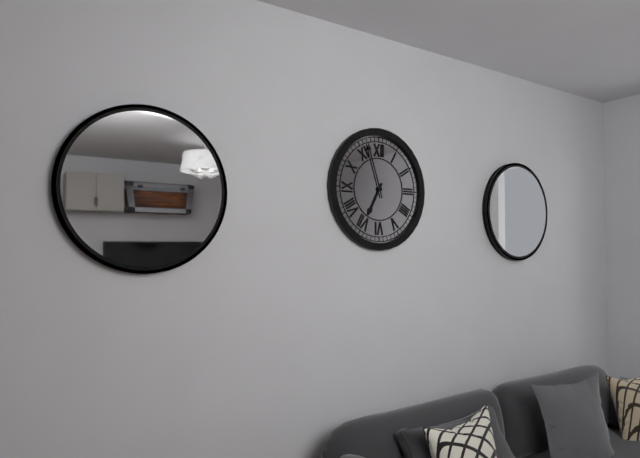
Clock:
6:57
